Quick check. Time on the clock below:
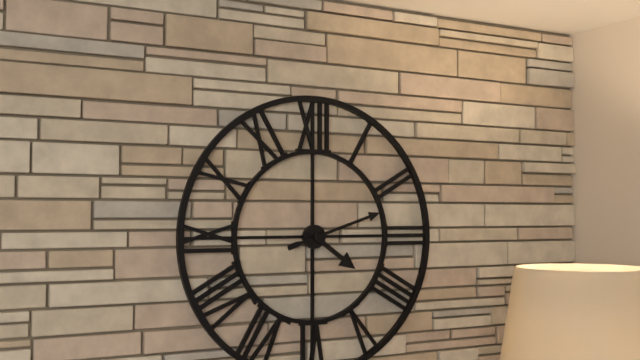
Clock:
4:12
